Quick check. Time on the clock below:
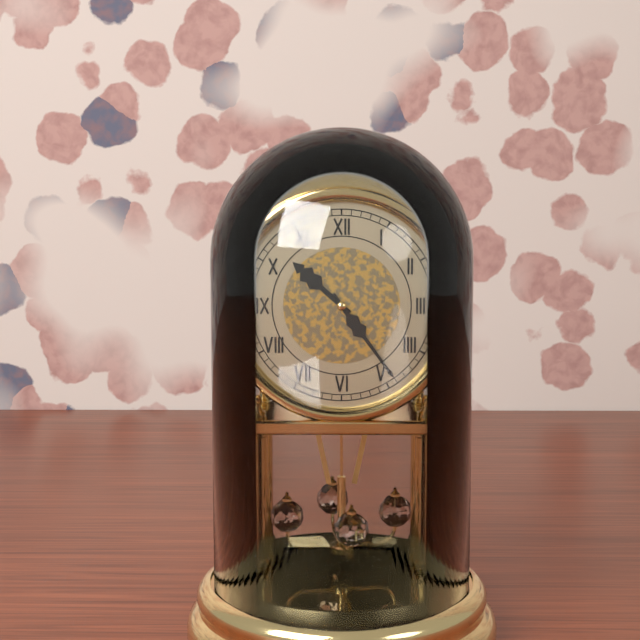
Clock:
10:24
